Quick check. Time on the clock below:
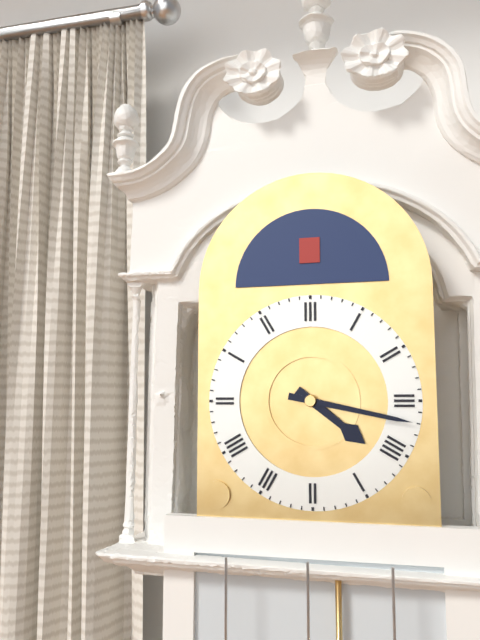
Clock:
4:17
